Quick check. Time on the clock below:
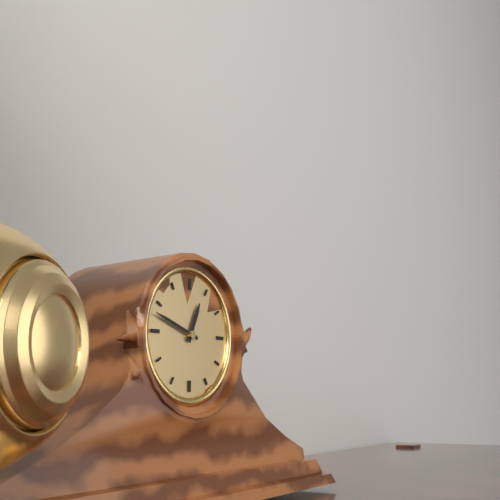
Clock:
12:48
